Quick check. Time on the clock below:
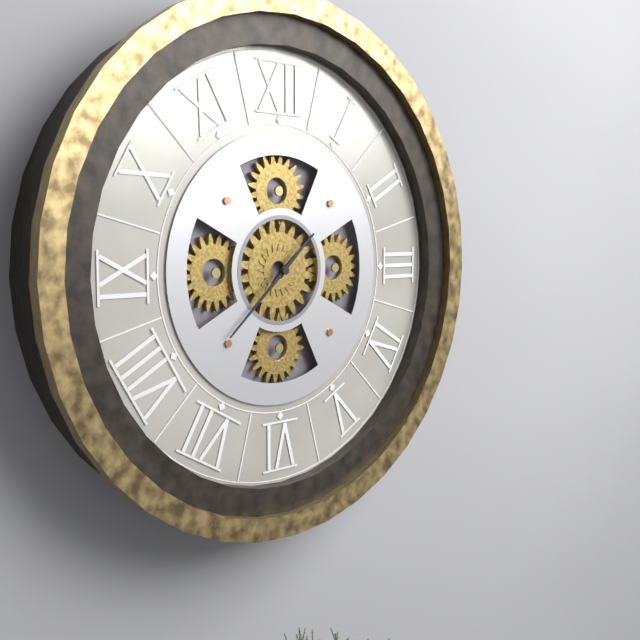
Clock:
1:38
